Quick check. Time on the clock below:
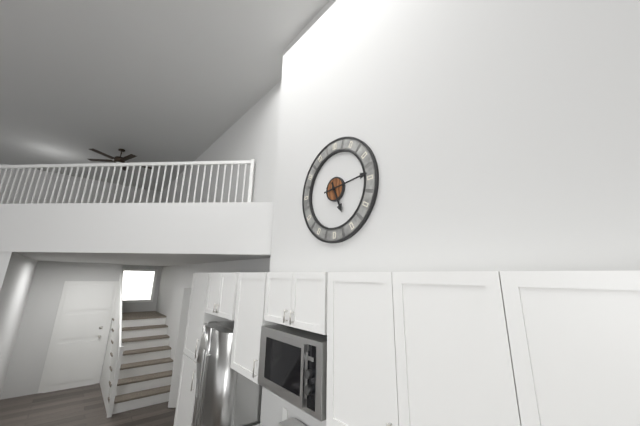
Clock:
5:14
